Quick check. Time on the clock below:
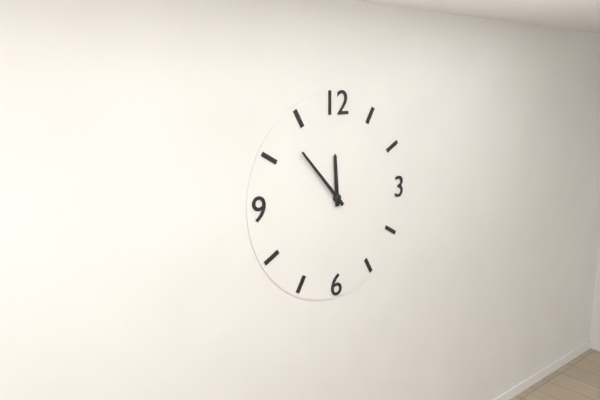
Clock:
11:53
